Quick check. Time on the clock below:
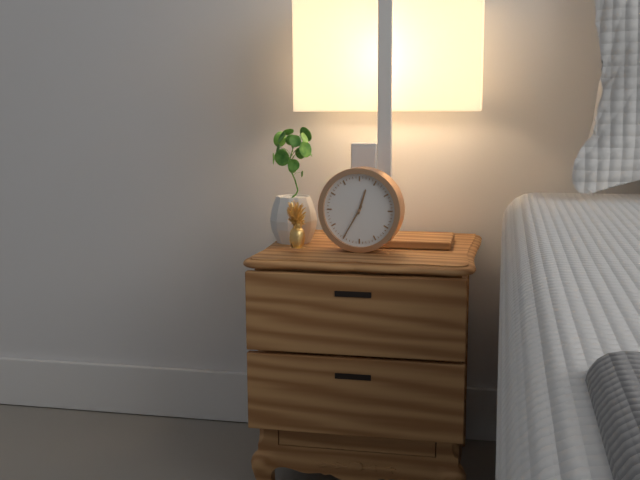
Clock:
12:35
